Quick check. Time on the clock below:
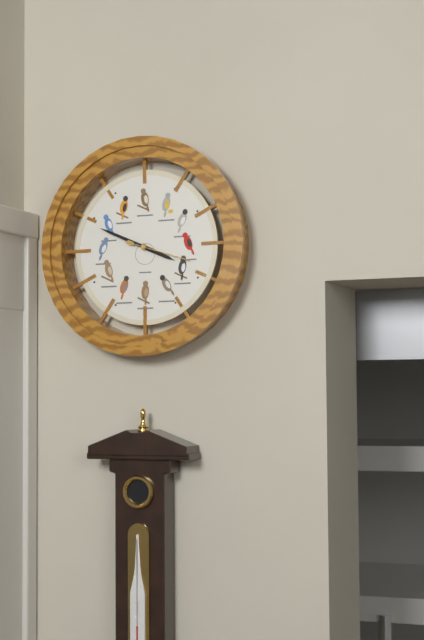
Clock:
3:49:18
